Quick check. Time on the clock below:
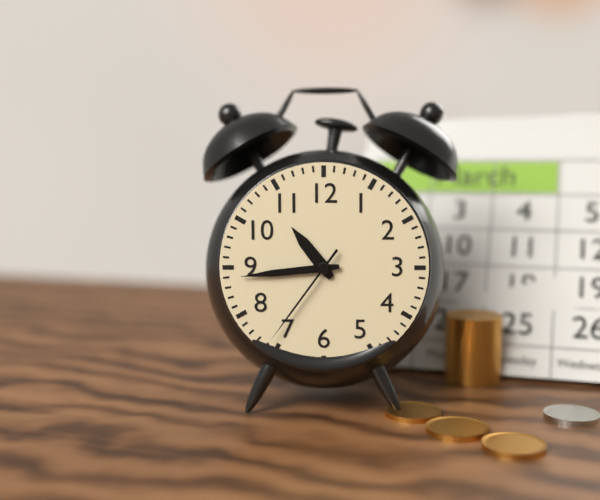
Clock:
10:44:36
